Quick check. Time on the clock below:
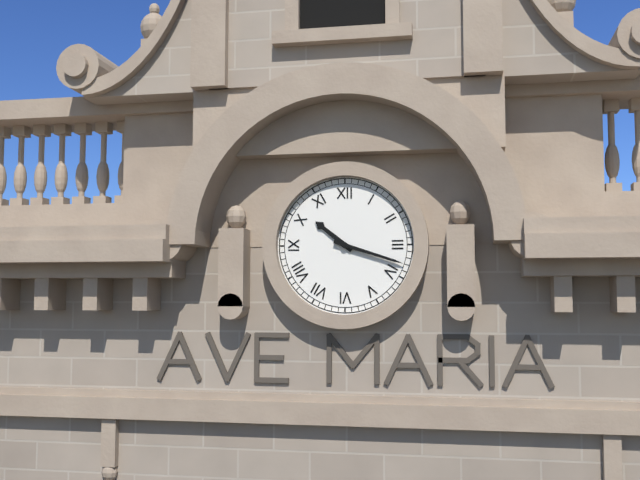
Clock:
10:18
